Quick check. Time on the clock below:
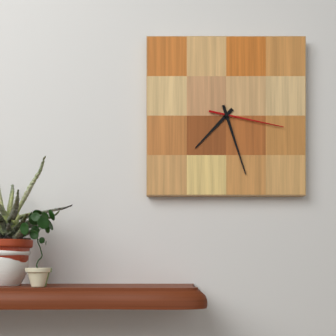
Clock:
7:27:17
